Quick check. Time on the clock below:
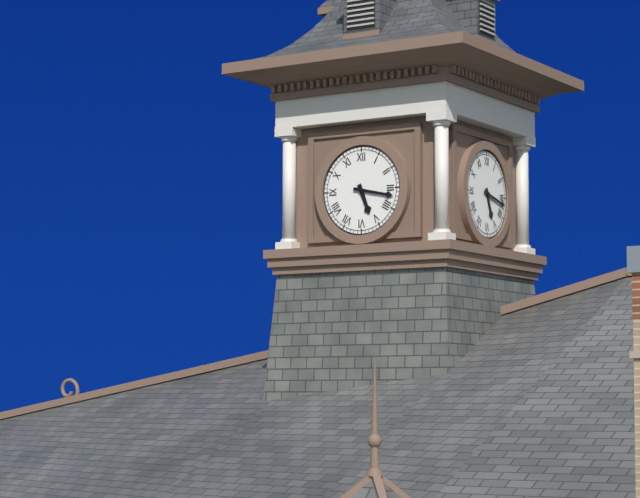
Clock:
5:17
